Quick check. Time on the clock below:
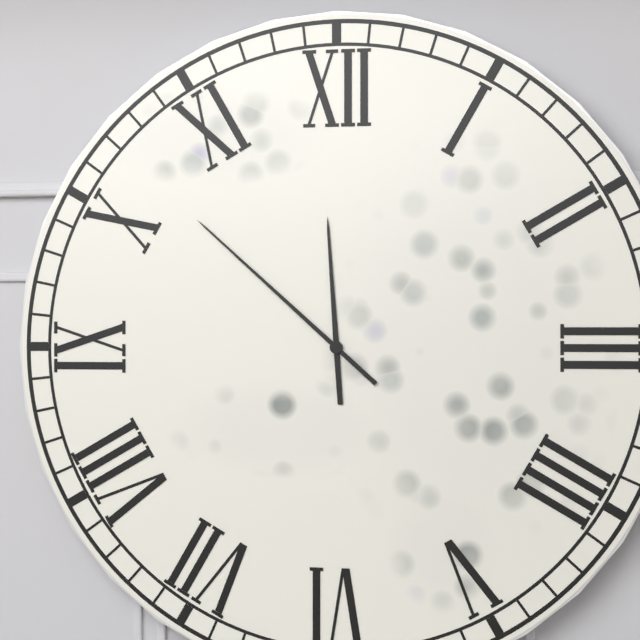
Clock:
11:52
